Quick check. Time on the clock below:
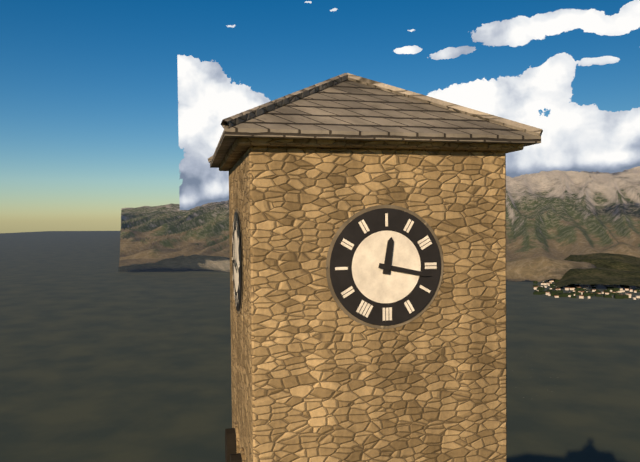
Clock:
12:17
